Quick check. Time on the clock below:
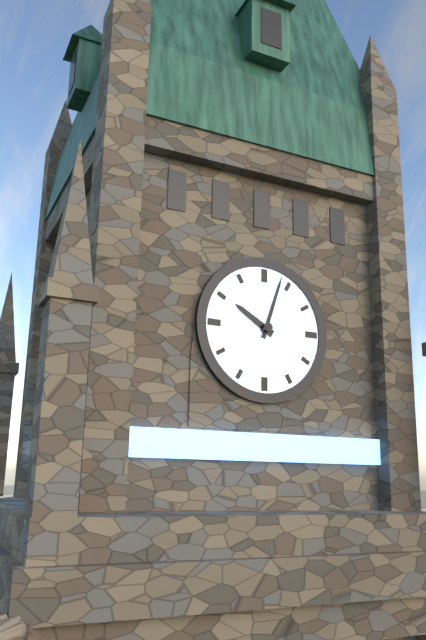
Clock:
10:03
